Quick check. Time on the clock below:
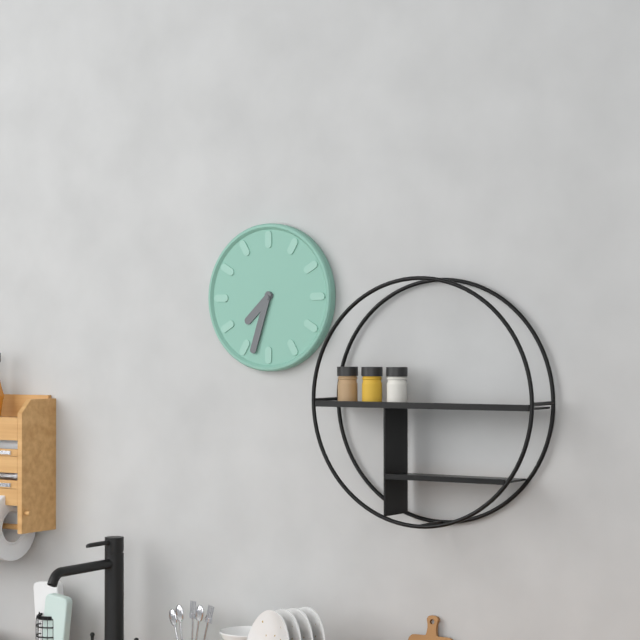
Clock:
7:33
